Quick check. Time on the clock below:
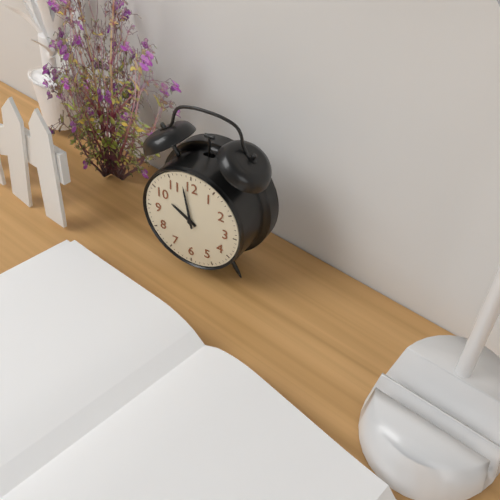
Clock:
9:58
